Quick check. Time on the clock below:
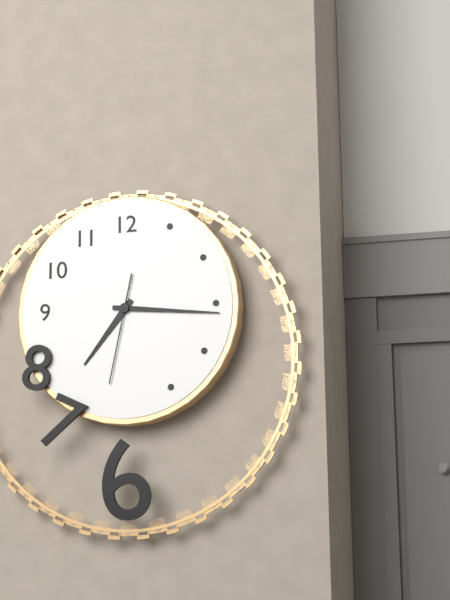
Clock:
7:16:32
